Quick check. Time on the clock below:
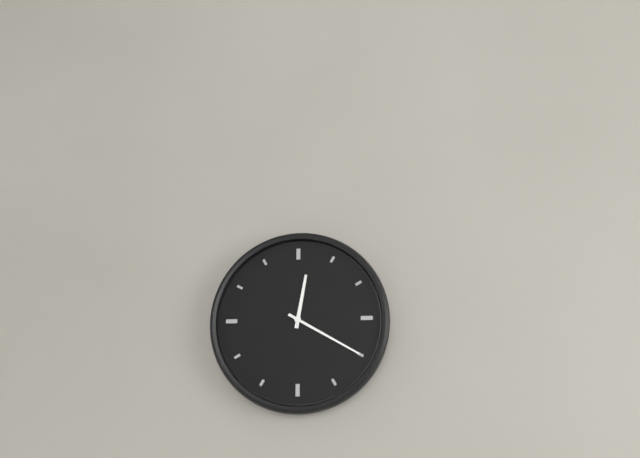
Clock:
12:20
